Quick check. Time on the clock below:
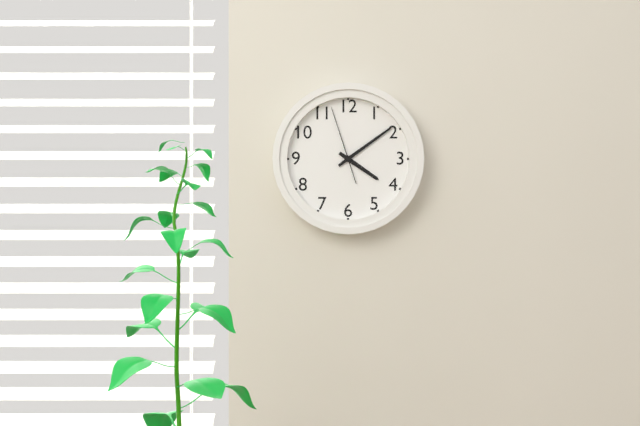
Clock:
4:09:57
